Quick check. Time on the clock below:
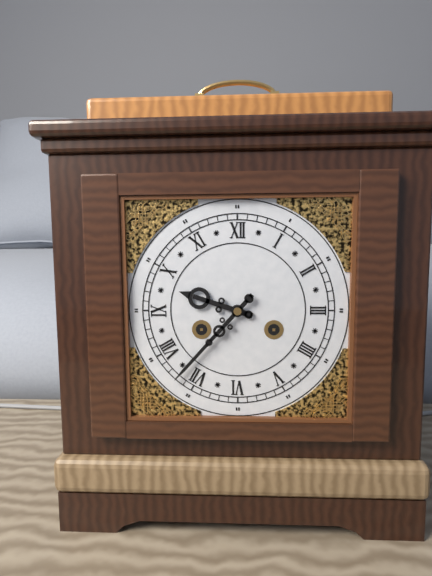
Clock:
9:37
